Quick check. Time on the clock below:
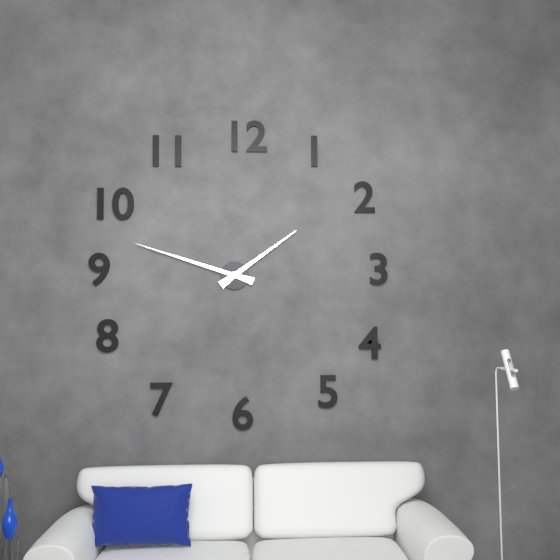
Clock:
1:48
